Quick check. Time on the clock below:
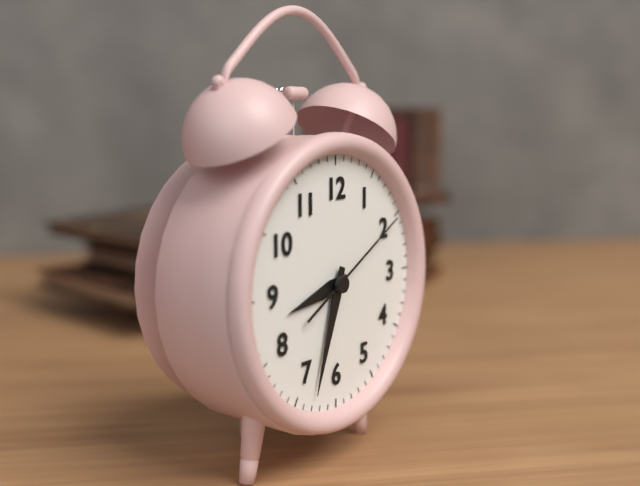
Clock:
8:33:10
